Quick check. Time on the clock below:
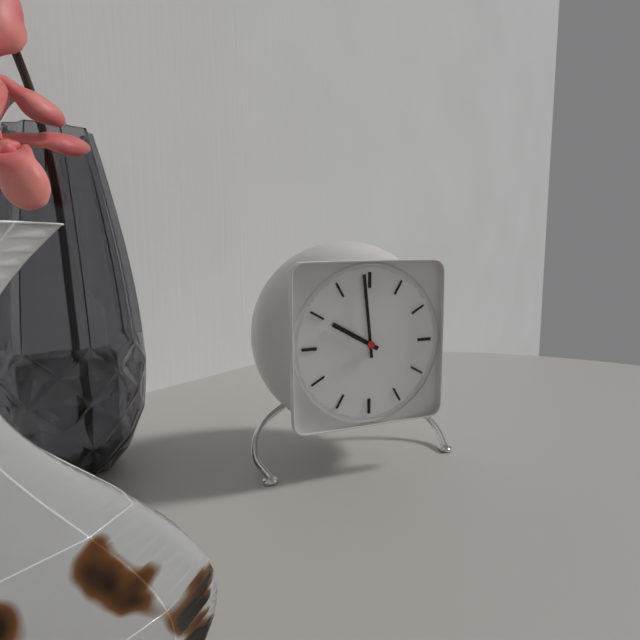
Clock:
9:59
